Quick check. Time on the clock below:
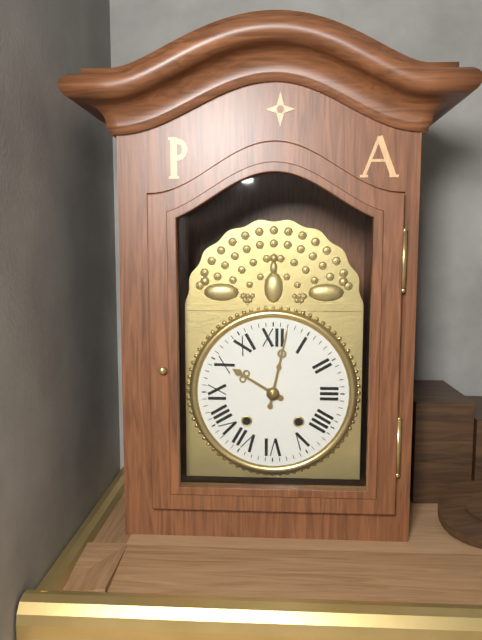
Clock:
10:02
